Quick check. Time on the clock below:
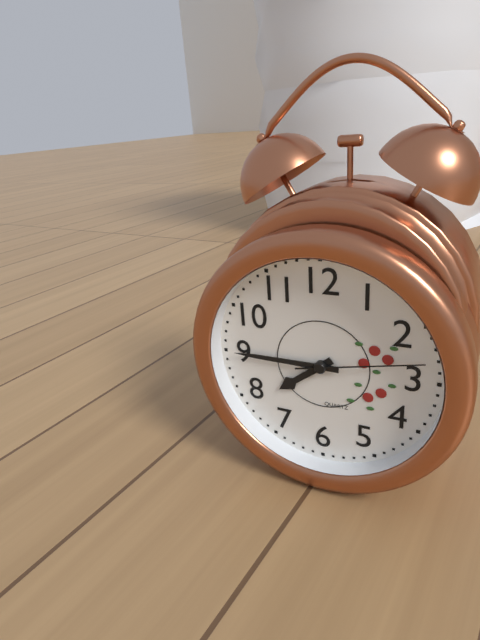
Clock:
7:45:13
